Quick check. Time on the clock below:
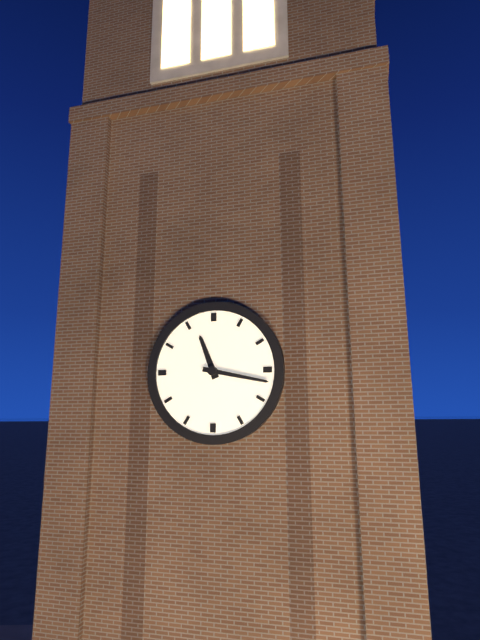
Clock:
11:17
